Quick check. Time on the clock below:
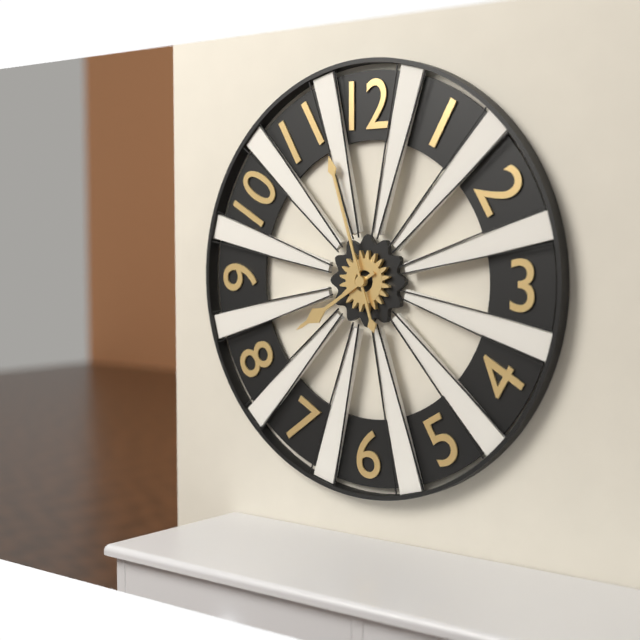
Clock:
7:57
